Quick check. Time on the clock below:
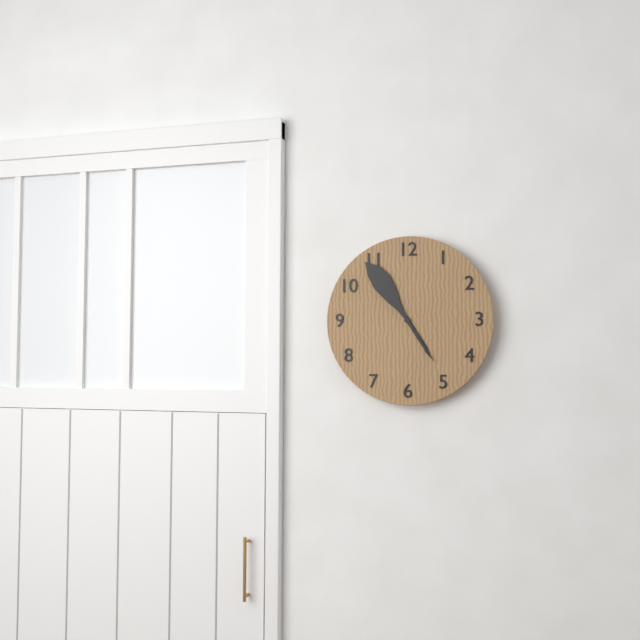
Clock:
4:54
